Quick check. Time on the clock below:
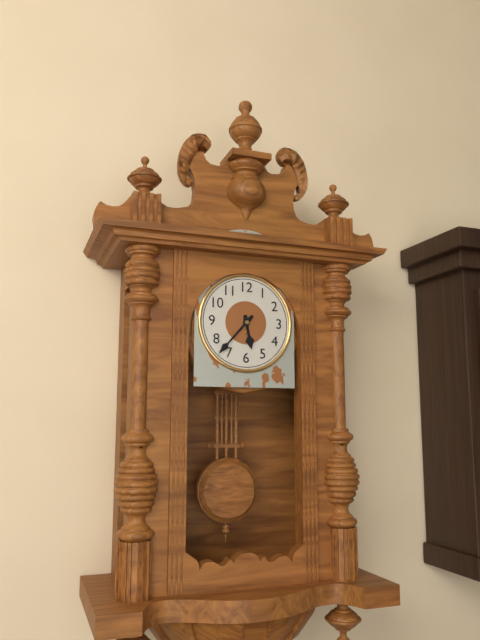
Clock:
5:37
